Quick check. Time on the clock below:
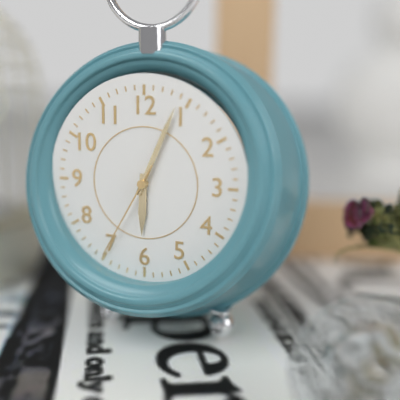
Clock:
6:04:35
